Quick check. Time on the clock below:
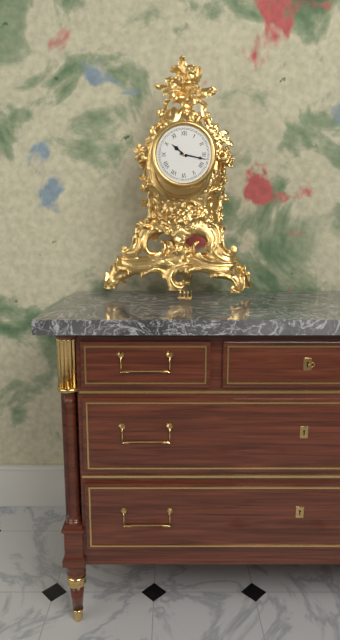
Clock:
10:17
